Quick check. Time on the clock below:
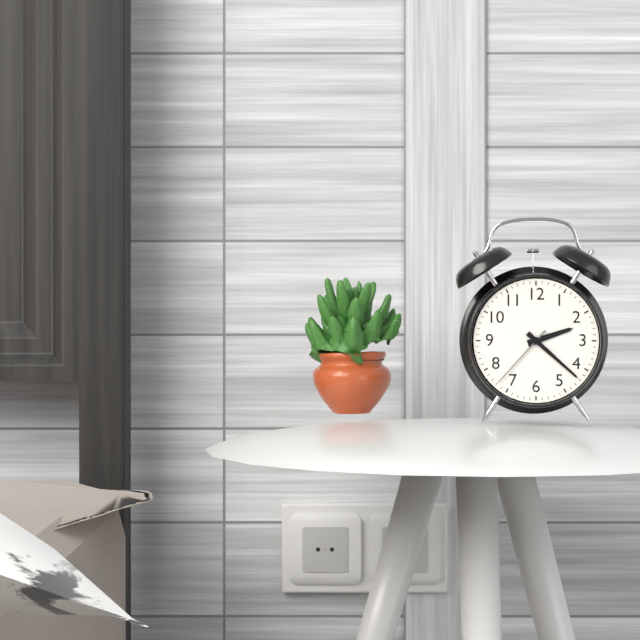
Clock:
2:22:37
